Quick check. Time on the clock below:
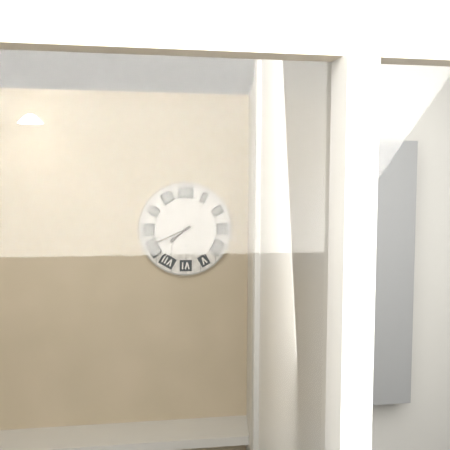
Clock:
7:41
